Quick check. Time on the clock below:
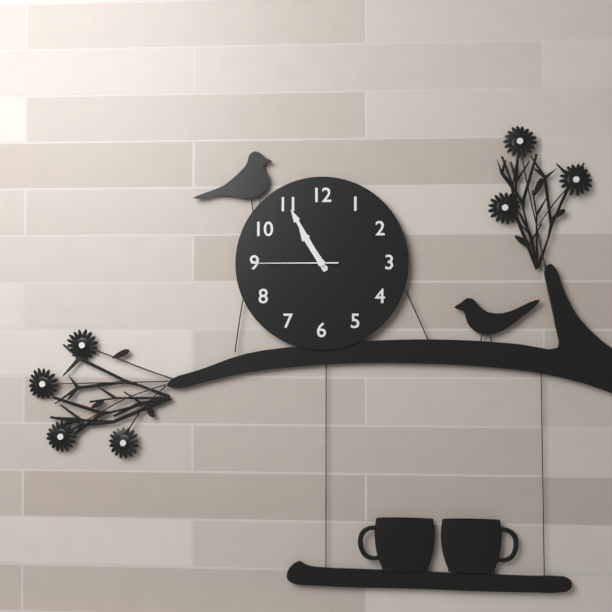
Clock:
10:55:45
